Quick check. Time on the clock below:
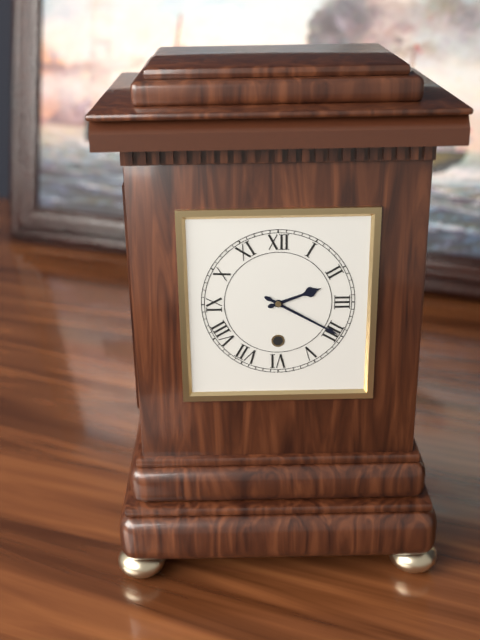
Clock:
2:20
